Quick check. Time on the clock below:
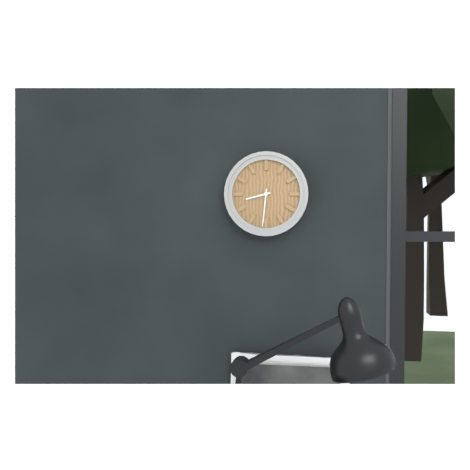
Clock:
8:31
